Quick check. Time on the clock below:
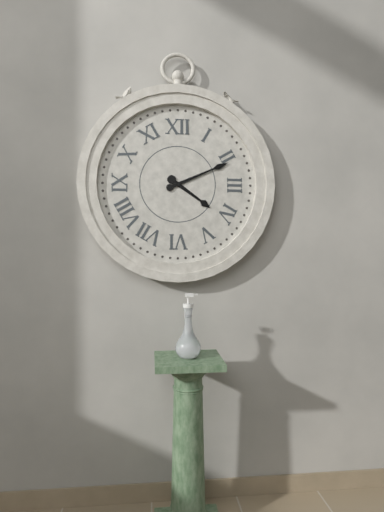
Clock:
4:11
